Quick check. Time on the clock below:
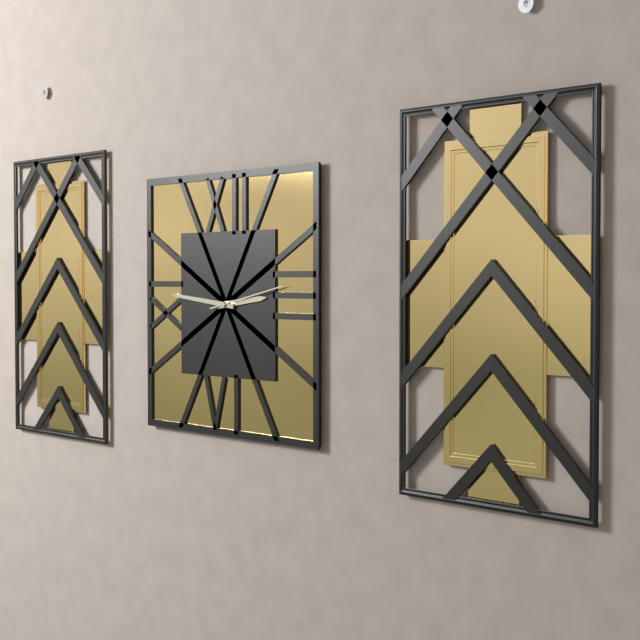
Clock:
2:46:13
